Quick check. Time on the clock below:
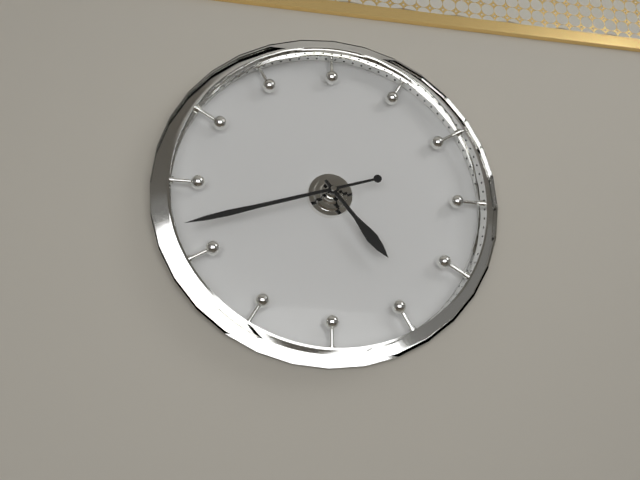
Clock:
4:42
